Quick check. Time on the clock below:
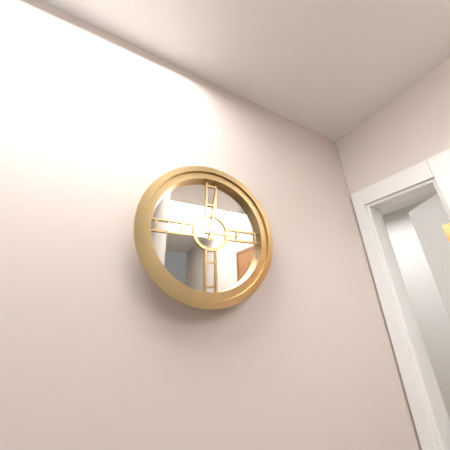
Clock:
3:01
